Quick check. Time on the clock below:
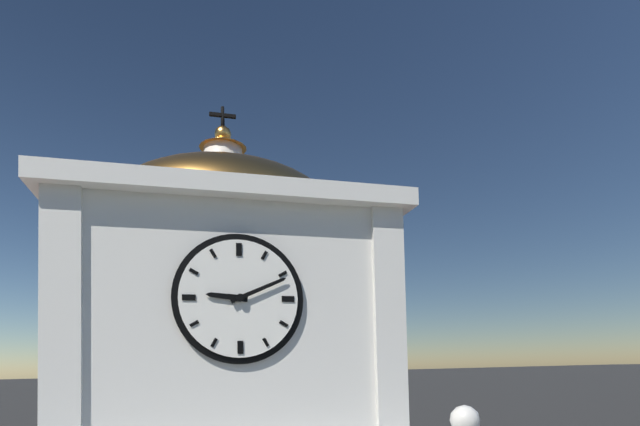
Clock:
9:11
